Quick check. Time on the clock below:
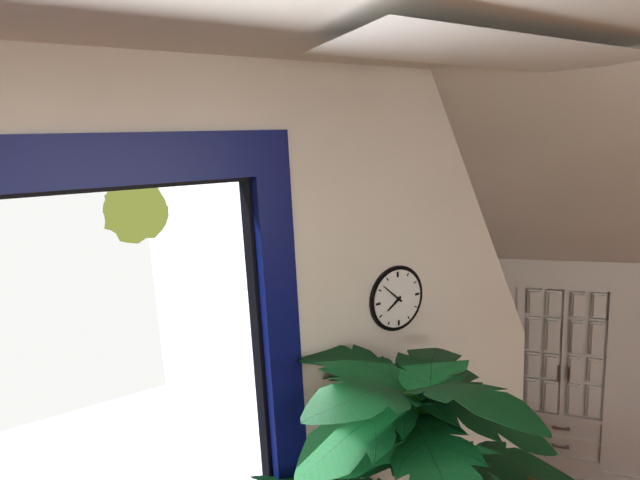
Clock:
7:52
